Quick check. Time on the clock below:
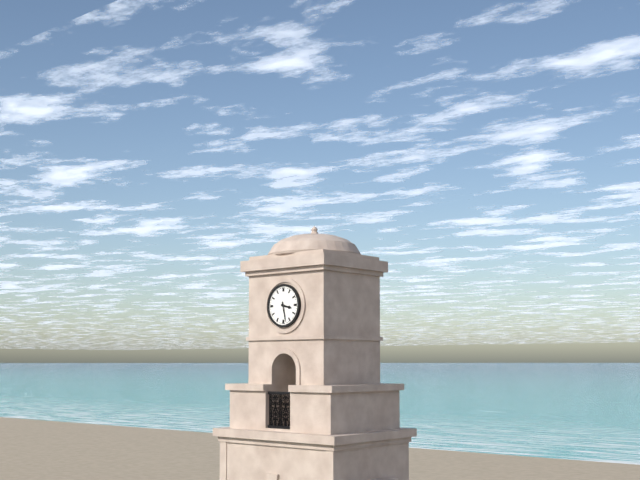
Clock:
3:28
